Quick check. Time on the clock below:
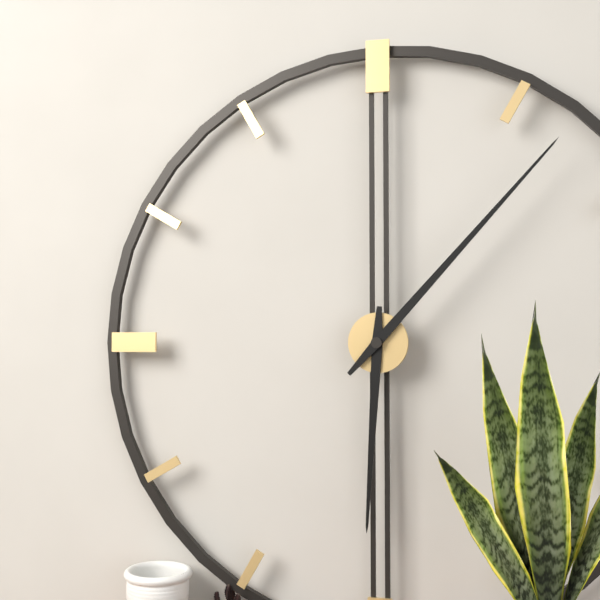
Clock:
6:07
